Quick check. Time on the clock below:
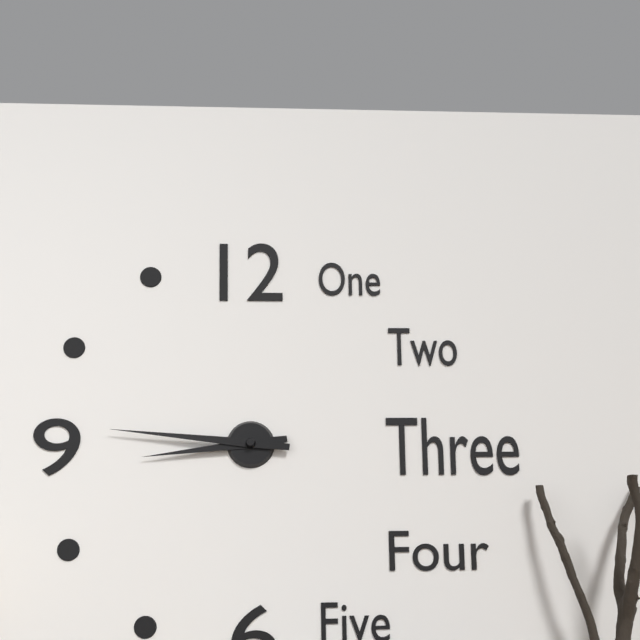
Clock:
8:46
